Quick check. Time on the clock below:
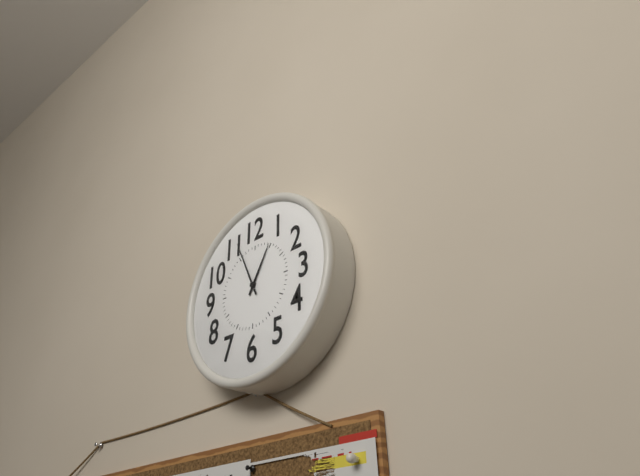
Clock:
12:56
